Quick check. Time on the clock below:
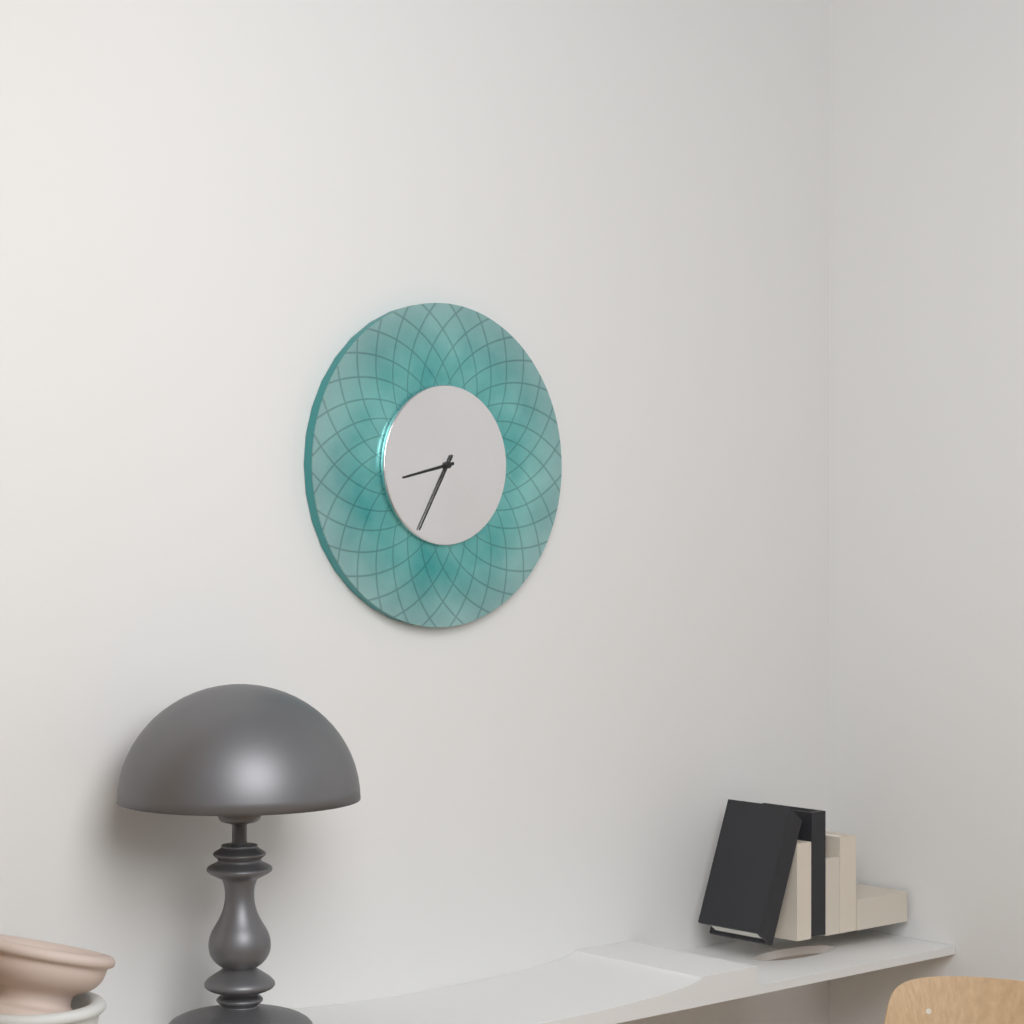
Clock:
8:35
